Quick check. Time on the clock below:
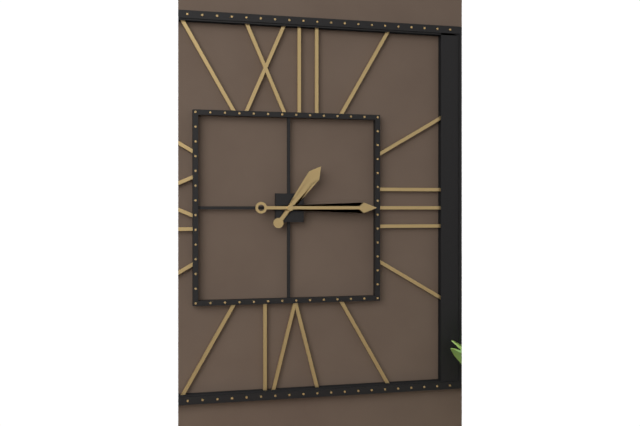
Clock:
1:15
